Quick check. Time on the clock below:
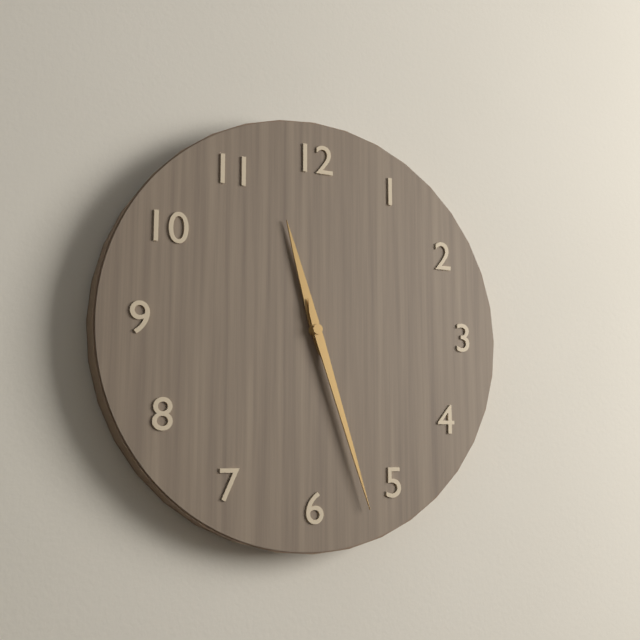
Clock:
11:27
